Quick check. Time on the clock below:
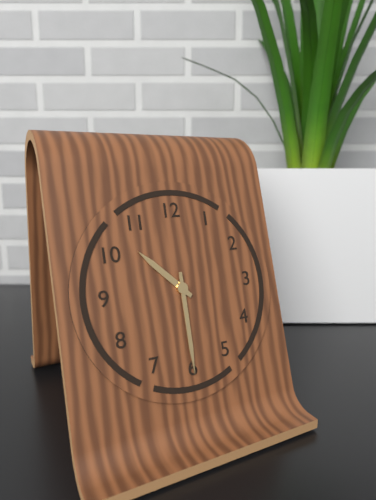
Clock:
10:30
